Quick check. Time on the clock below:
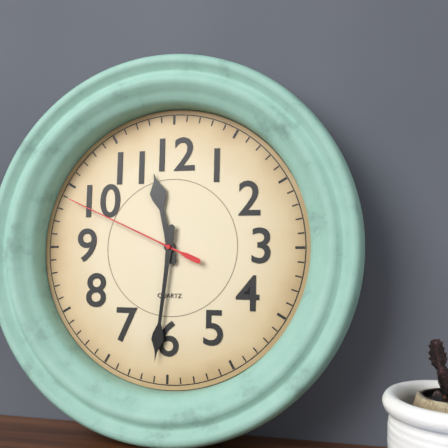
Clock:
11:31:49
